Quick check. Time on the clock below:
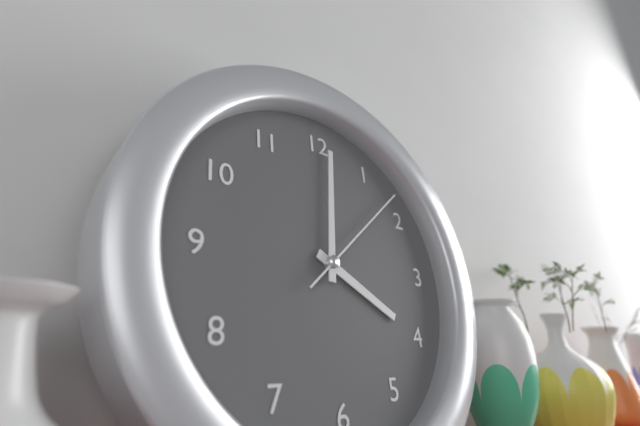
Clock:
4:01:08
